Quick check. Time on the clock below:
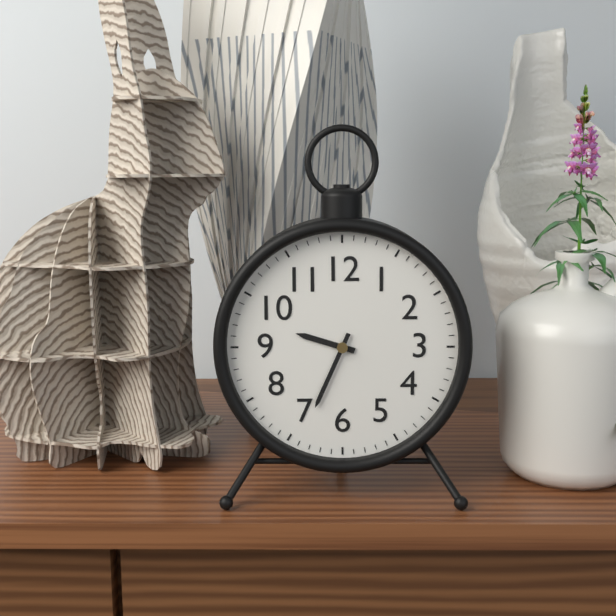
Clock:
9:34
